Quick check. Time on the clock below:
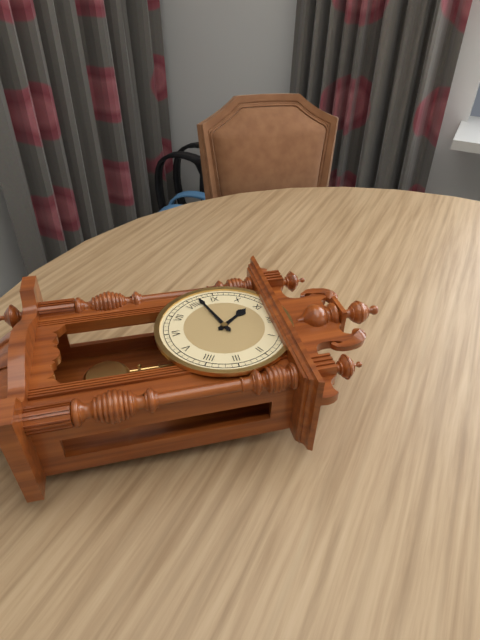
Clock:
10:42
